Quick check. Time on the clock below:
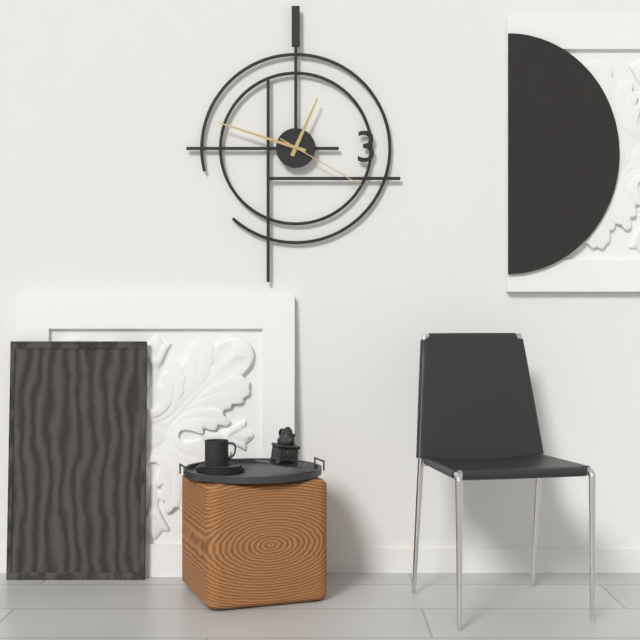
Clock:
12:48:20
